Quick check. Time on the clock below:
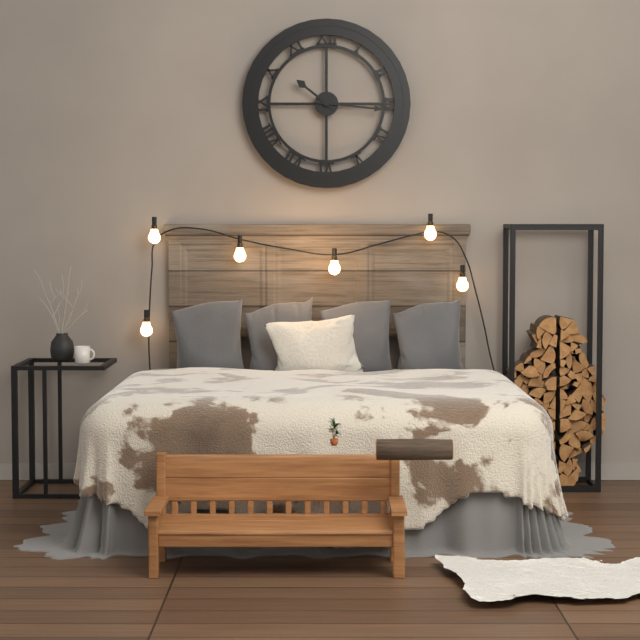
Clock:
10:16
